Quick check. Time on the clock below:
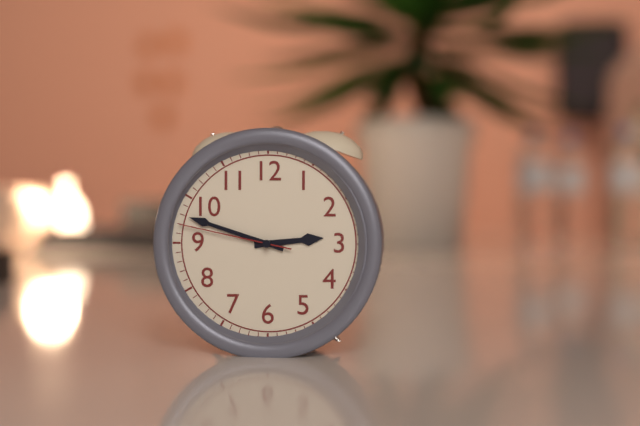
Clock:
2:48:47
